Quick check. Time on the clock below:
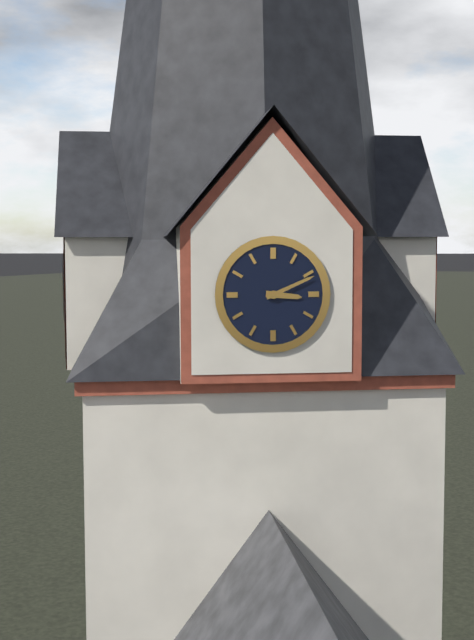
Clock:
3:11
